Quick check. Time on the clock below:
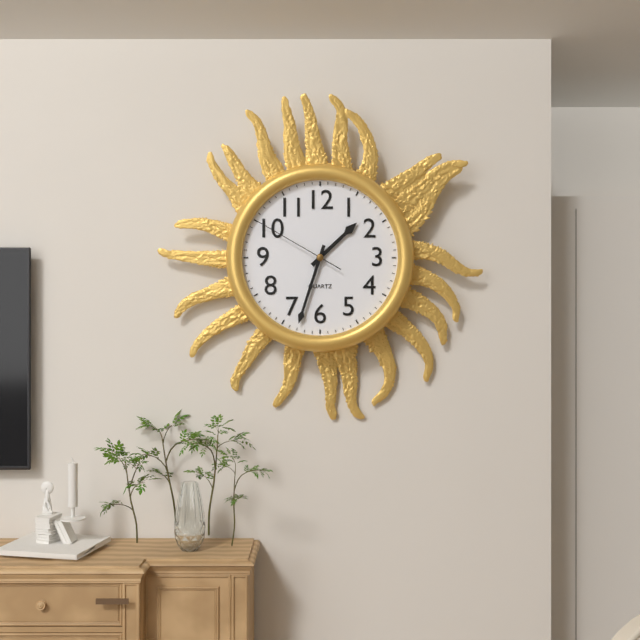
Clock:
1:33:50
